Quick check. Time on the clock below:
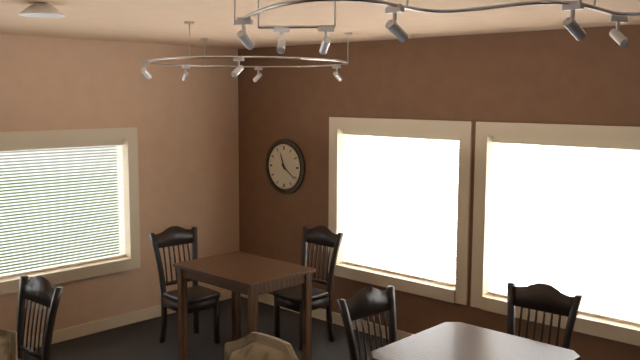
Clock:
11:21
